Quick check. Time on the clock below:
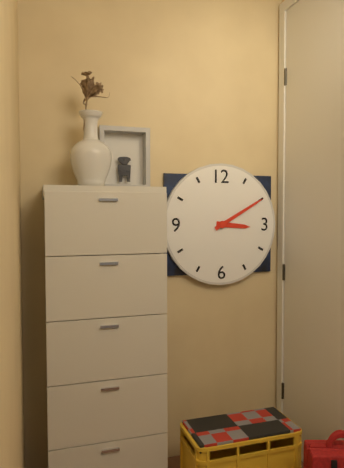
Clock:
3:10
